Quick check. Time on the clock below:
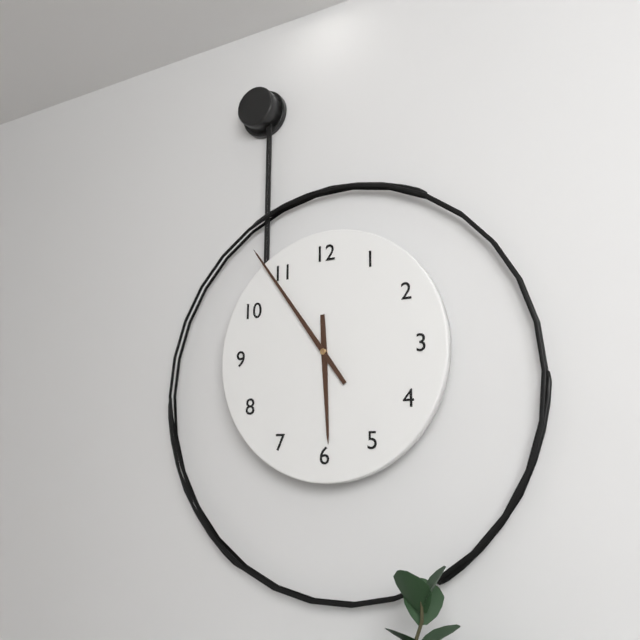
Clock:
5:54
